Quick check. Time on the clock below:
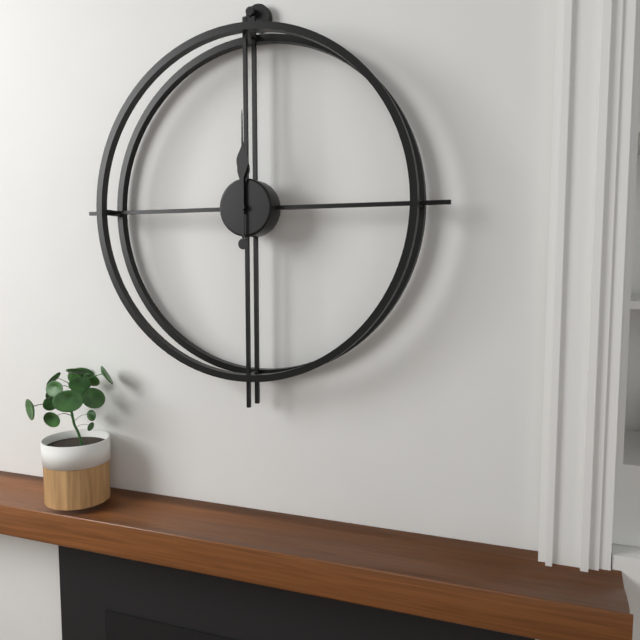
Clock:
12:00
